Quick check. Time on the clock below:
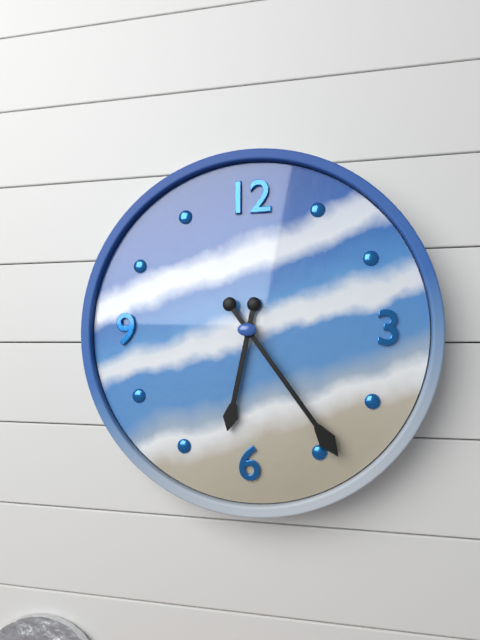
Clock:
6:24
